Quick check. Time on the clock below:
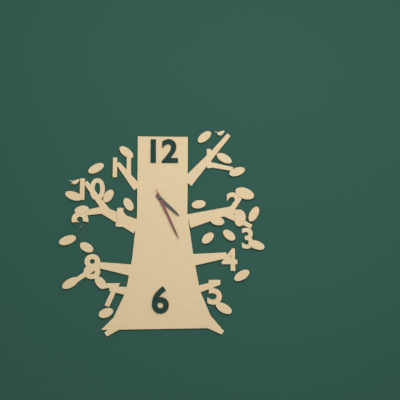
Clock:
4:26:26
